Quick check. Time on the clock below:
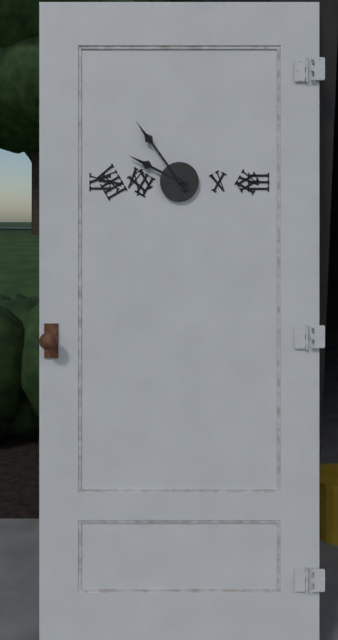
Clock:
9:54
